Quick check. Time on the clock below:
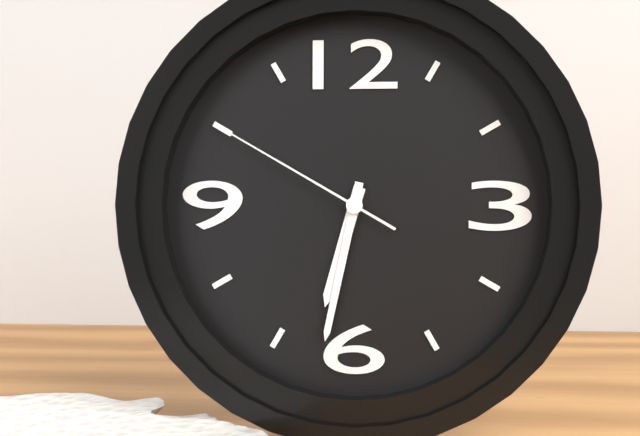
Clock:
6:32:50
